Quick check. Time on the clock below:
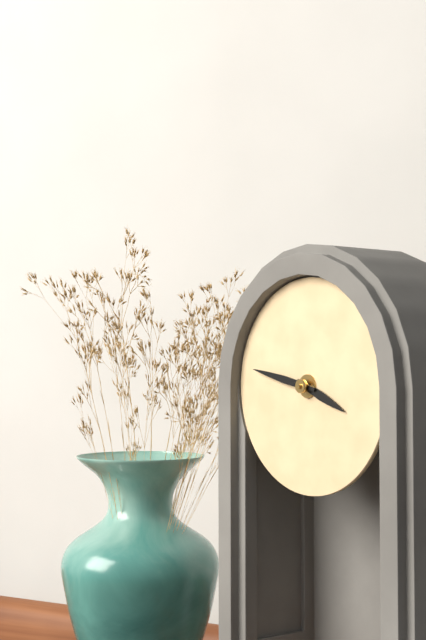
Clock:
3:47
